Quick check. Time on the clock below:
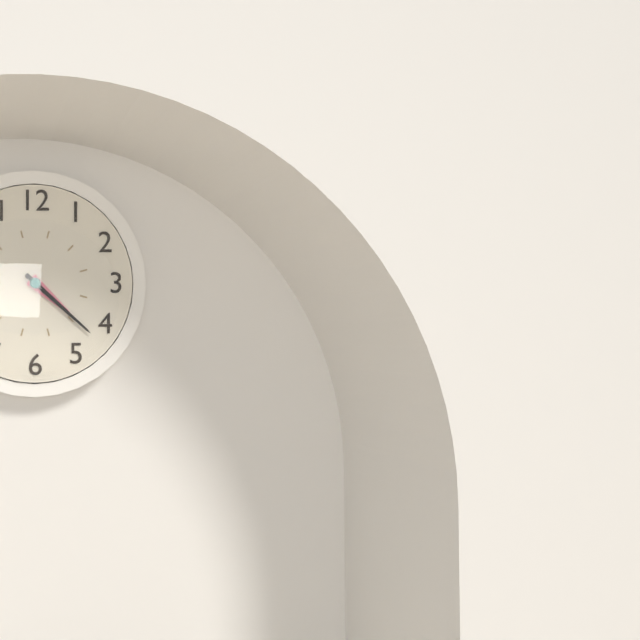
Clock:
4:22
